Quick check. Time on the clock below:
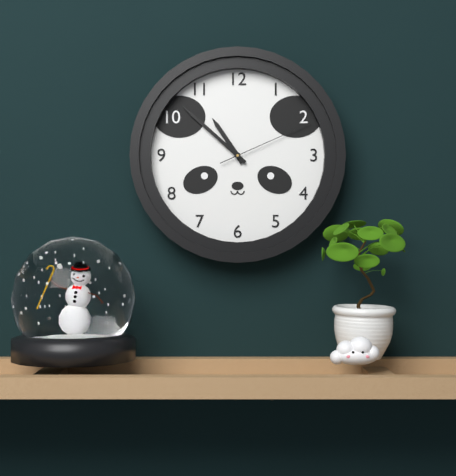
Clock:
10:52:11
